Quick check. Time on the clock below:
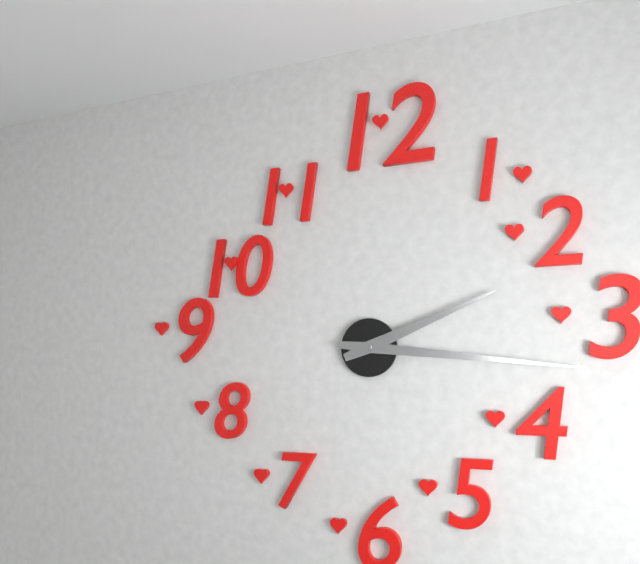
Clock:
2:16
